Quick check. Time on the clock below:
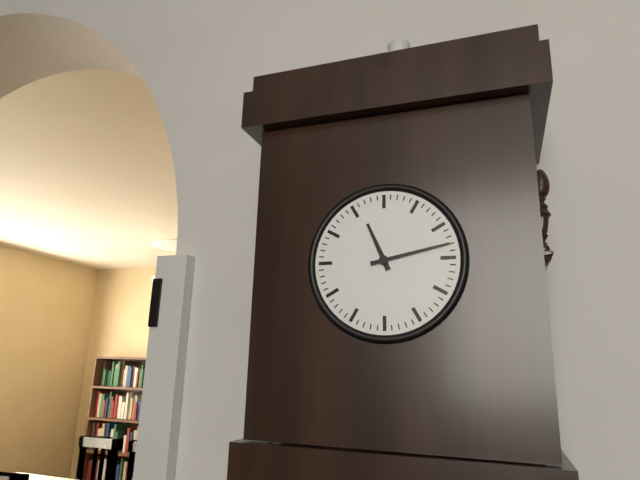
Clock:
11:13
